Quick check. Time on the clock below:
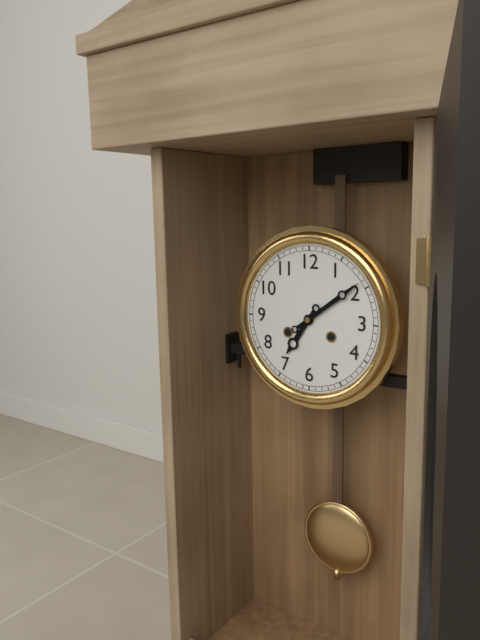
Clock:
7:09
